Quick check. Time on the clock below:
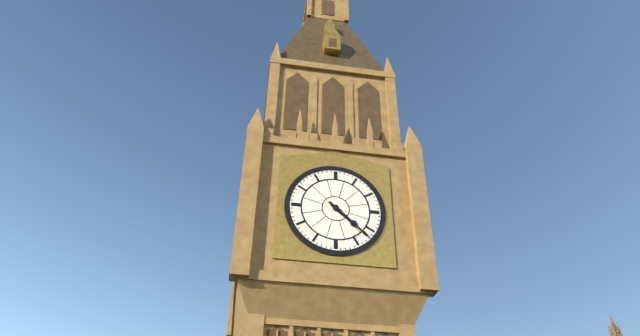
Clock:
4:22
